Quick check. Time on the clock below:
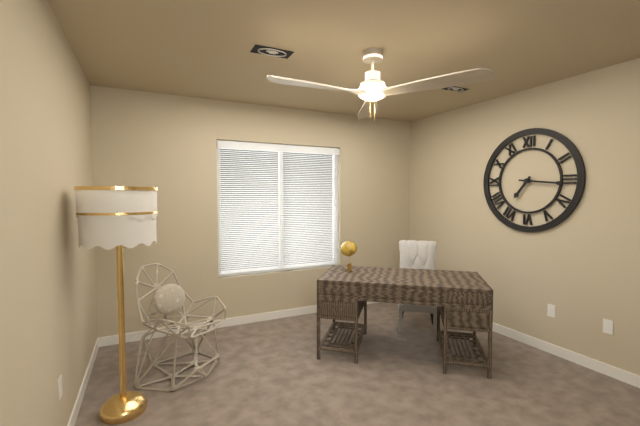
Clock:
7:16
